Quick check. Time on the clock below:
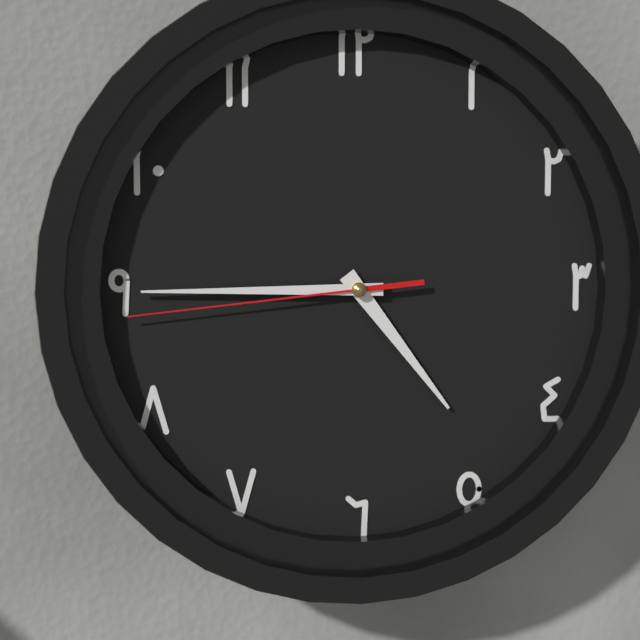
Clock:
4:45:44
